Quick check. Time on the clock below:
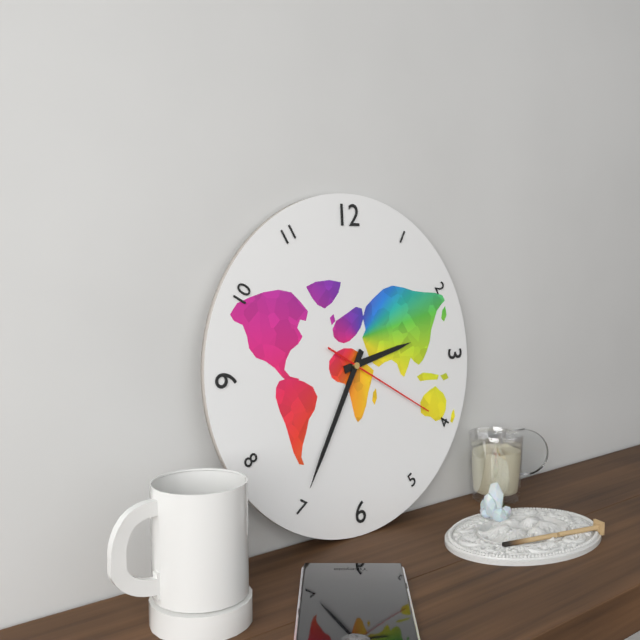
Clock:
2:35:20
